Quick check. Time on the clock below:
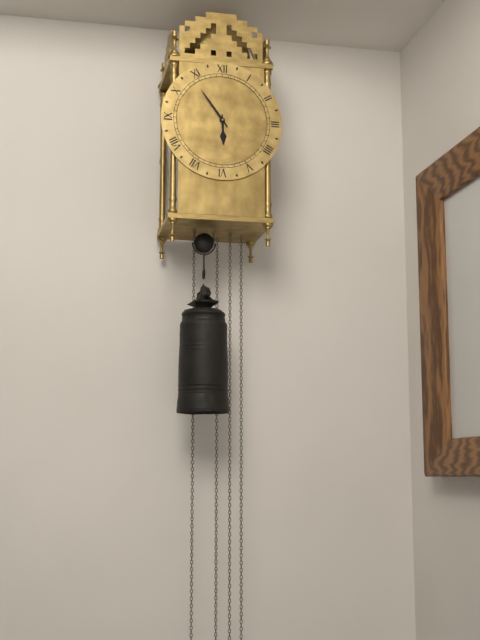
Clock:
5:54
